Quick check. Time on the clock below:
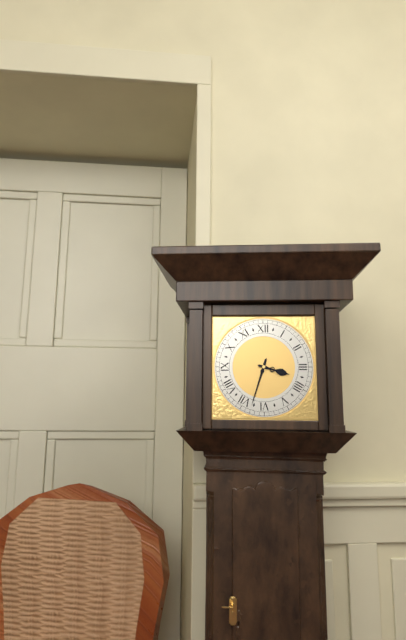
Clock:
3:33
